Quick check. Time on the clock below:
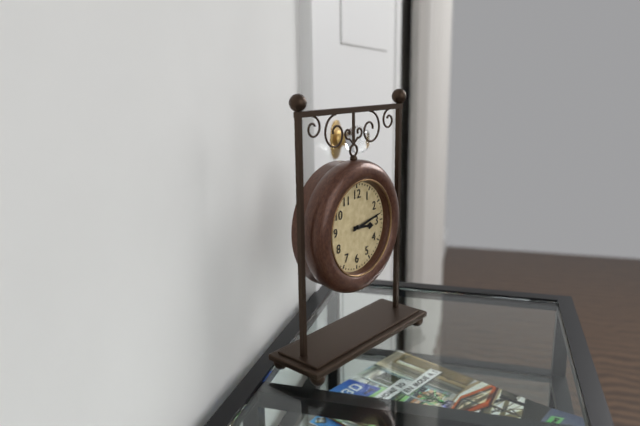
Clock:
3:13
